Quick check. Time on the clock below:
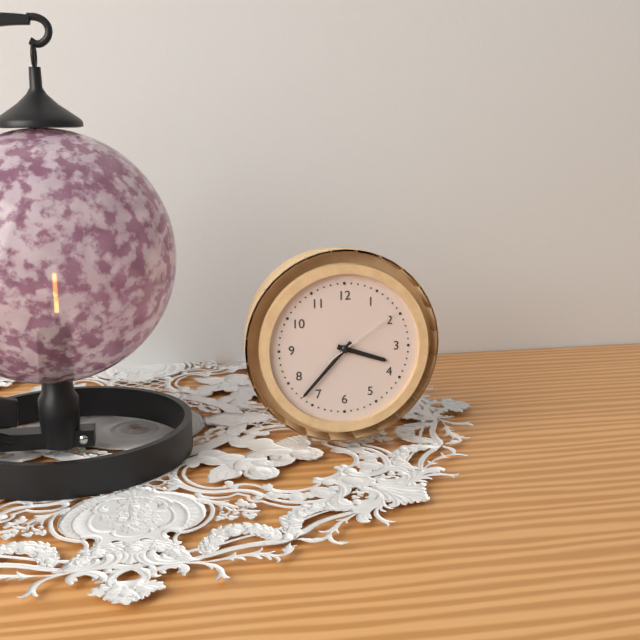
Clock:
3:37:09
